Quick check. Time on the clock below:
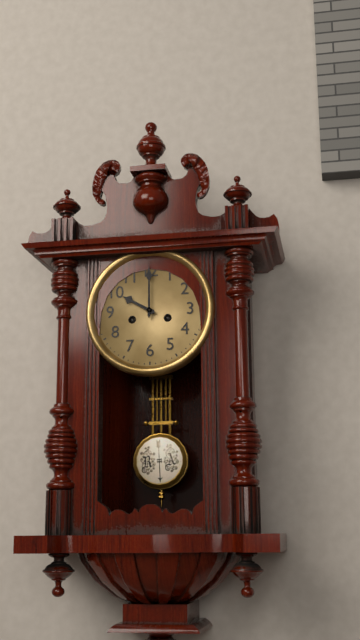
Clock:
10:00
